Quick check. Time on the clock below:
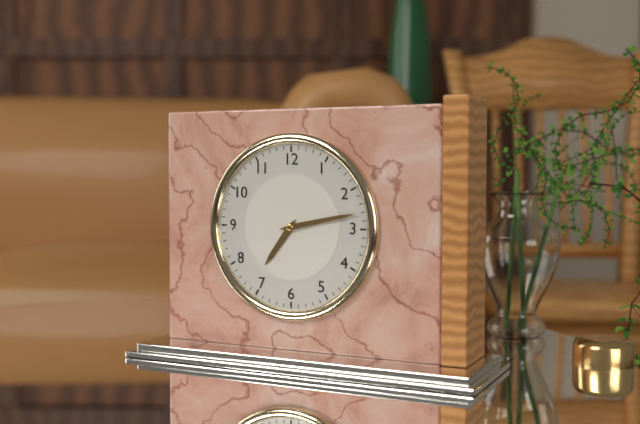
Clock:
7:13
